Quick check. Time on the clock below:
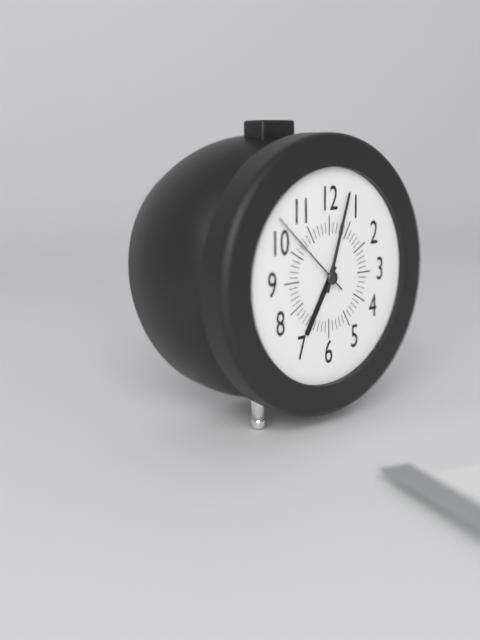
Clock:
7:03:52
